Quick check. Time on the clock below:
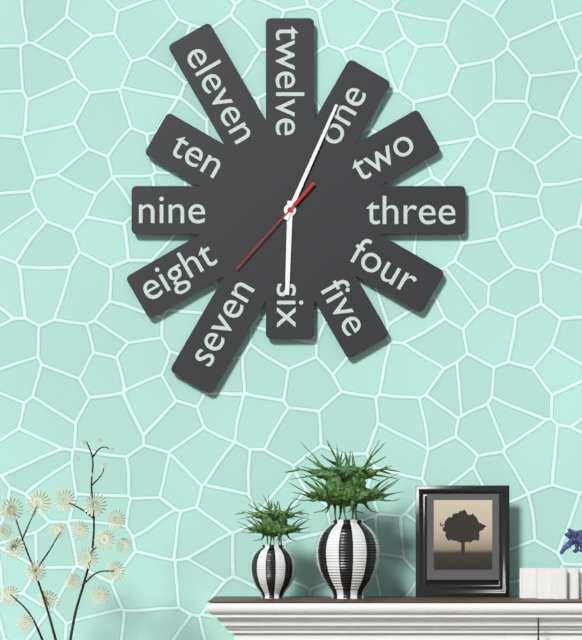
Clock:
6:04:37
